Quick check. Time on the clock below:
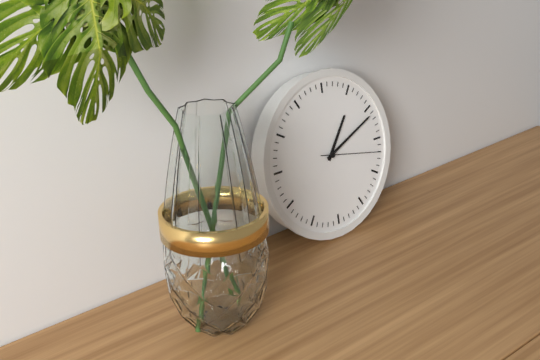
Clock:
1:11:17
